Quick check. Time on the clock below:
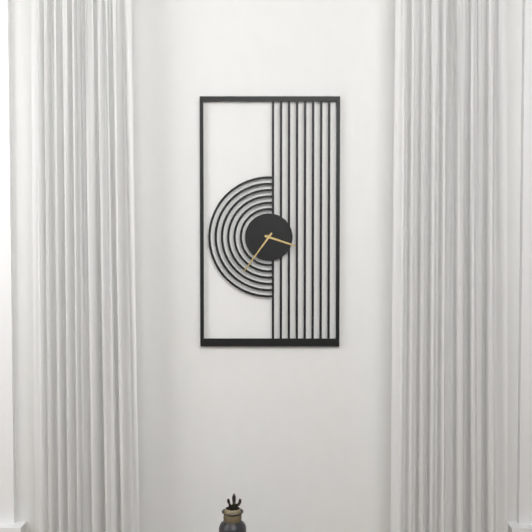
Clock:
3:36
